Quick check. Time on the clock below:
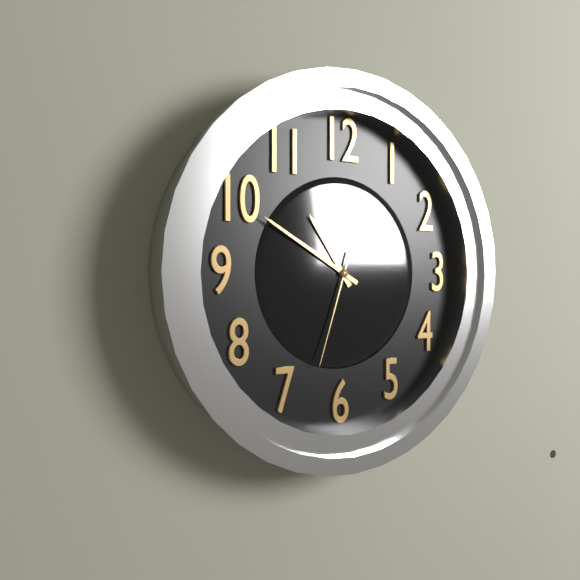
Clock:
10:50:33
